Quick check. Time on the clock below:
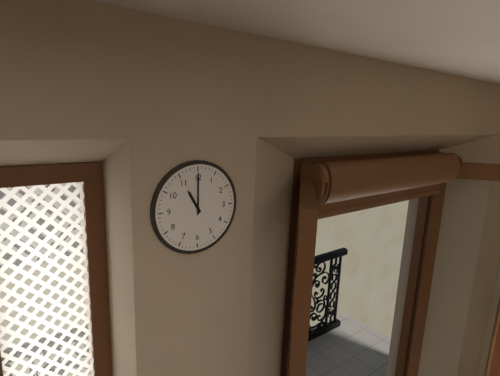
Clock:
11:00
